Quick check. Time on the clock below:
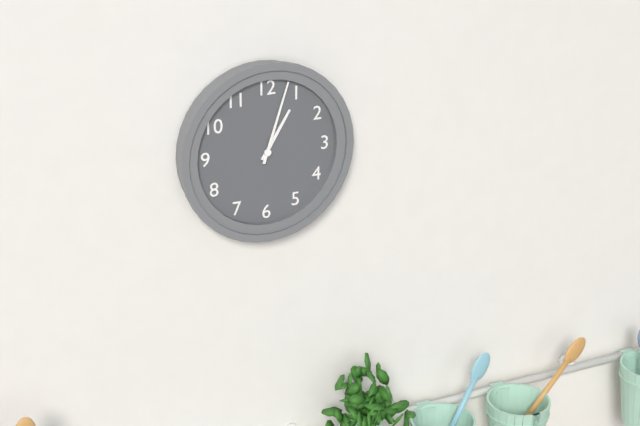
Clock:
1:03
